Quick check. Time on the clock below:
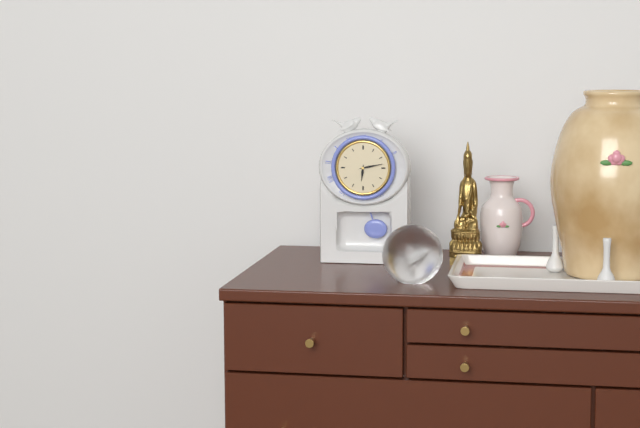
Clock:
6:13
